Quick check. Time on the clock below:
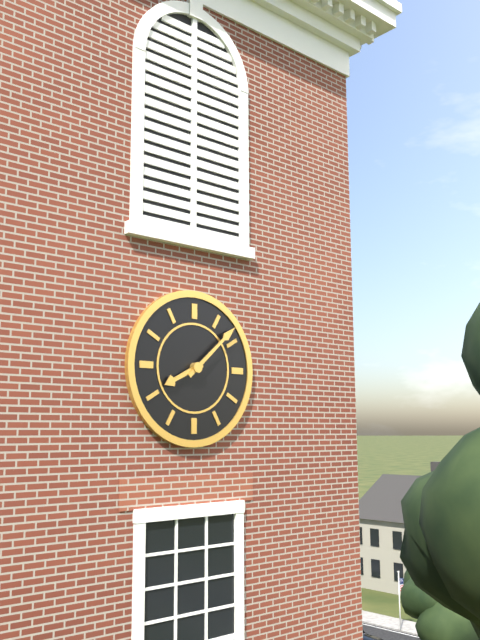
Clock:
8:08
